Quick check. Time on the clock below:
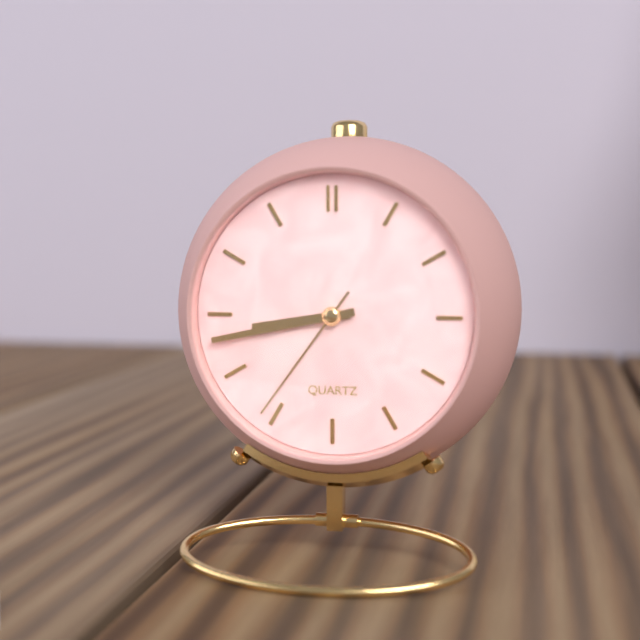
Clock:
8:43:36
